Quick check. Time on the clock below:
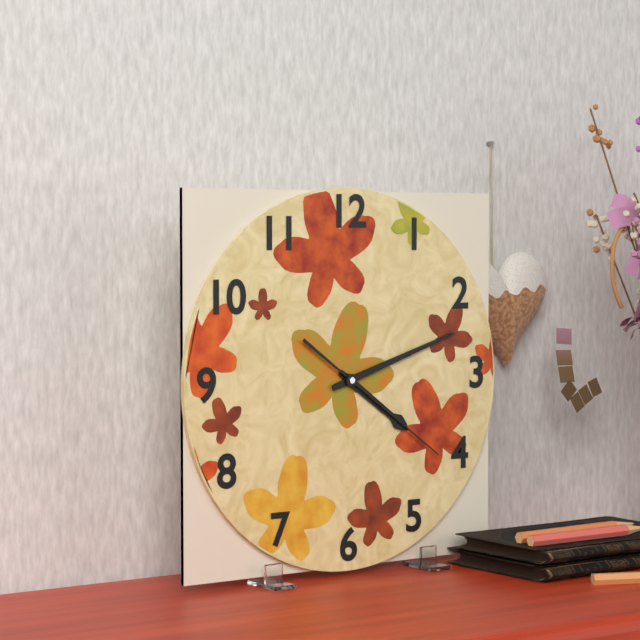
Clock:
4:12:21
